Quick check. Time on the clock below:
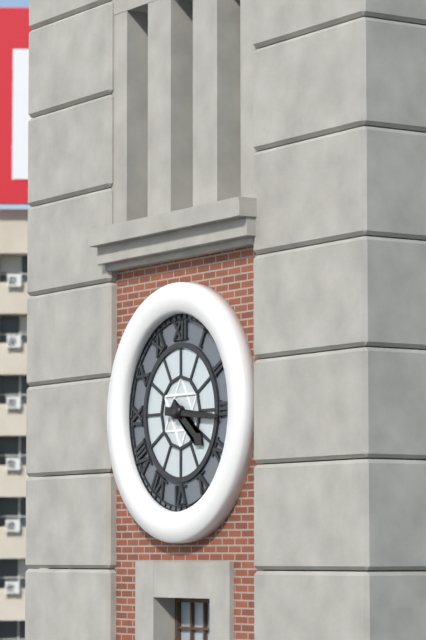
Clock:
4:16
